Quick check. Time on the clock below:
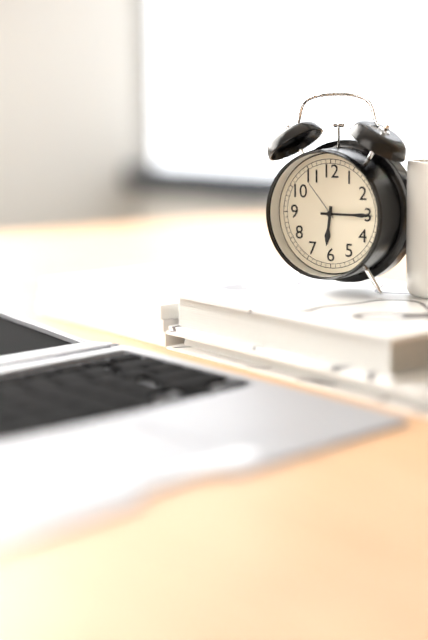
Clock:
6:15
